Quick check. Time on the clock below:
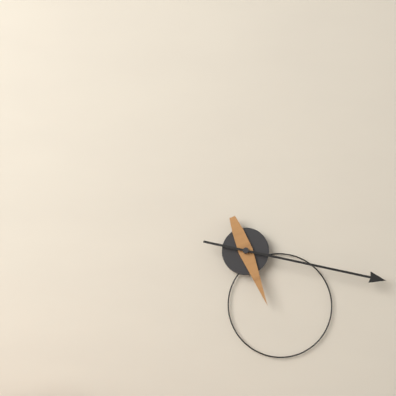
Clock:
5:17
